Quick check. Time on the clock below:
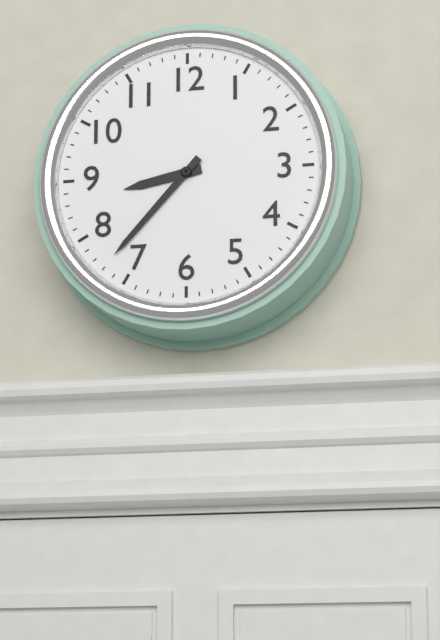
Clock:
8:37
